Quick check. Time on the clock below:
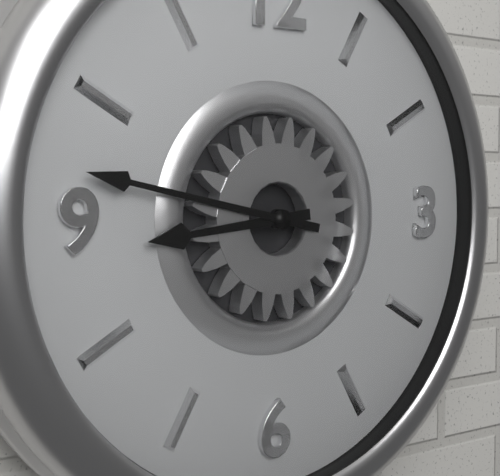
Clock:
8:47
